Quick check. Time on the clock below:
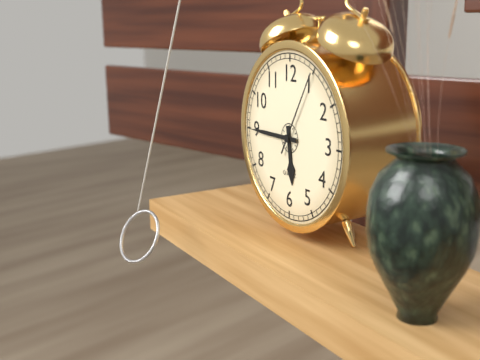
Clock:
5:45:05
